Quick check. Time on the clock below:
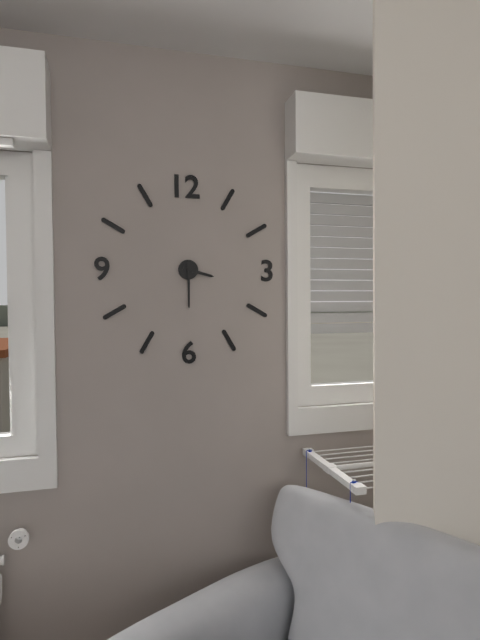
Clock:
3:30
